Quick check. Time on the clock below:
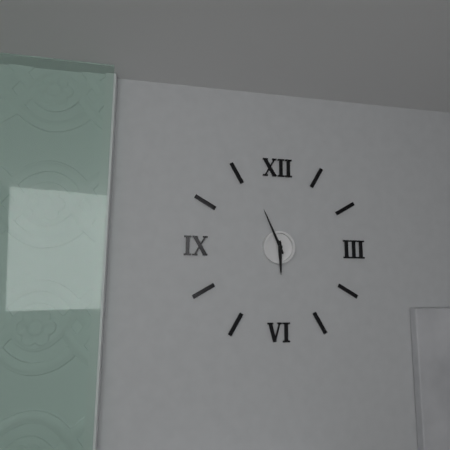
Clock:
5:56
